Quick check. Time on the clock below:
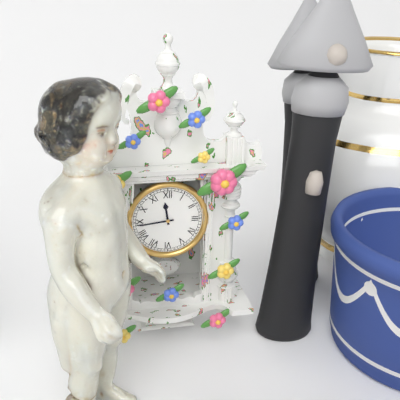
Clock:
11:44
